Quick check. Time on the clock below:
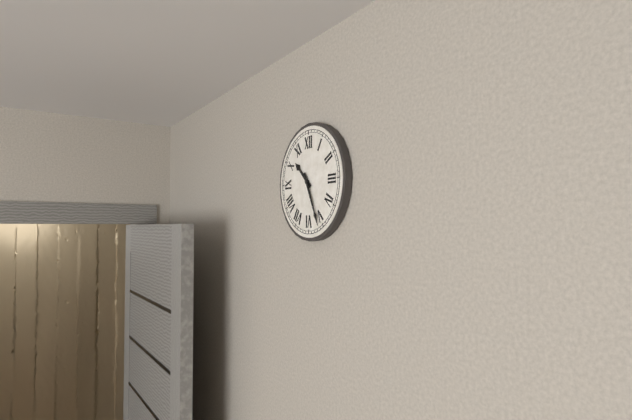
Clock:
10:26
